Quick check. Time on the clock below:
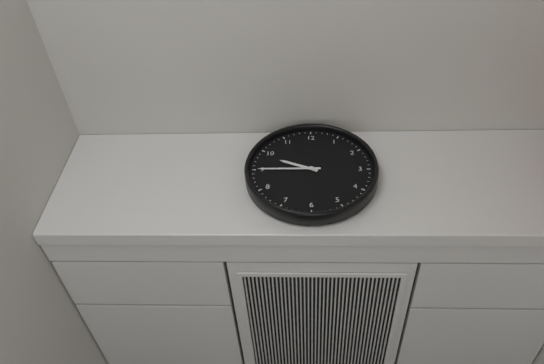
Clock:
9:45
